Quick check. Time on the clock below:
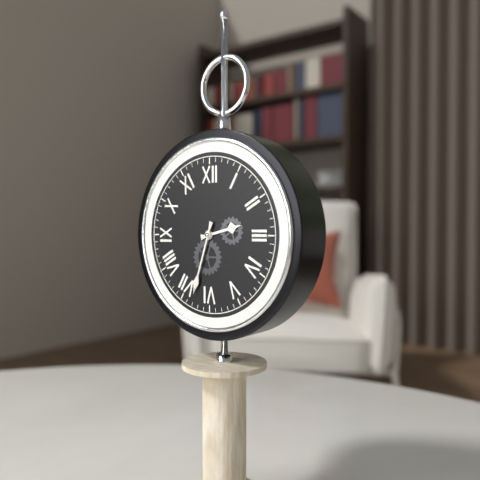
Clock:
2:33
